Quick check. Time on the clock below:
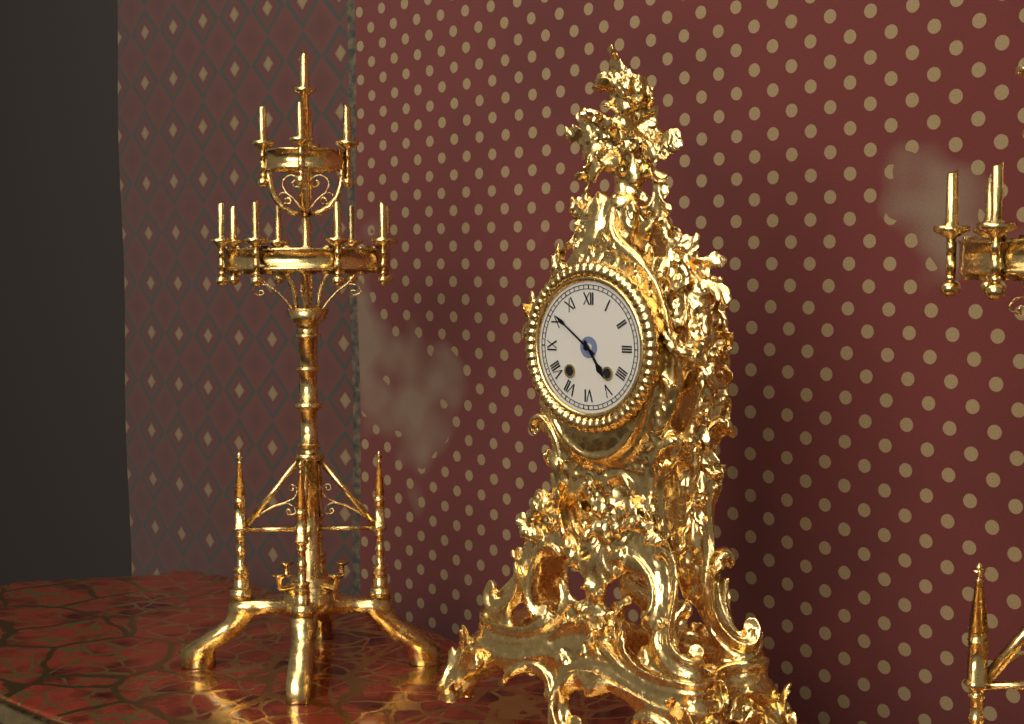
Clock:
4:51
